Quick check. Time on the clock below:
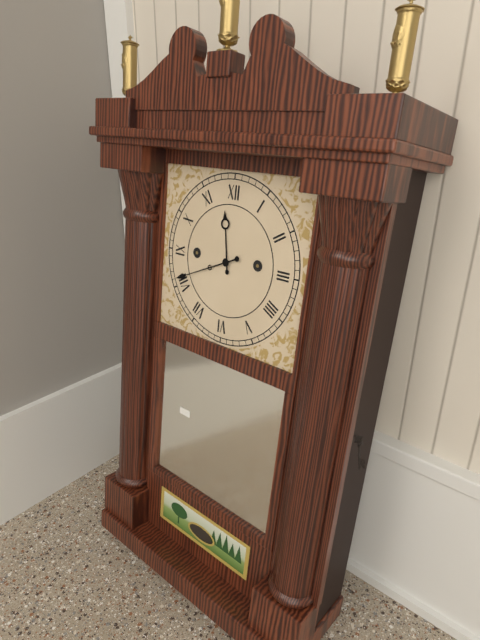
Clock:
11:41
